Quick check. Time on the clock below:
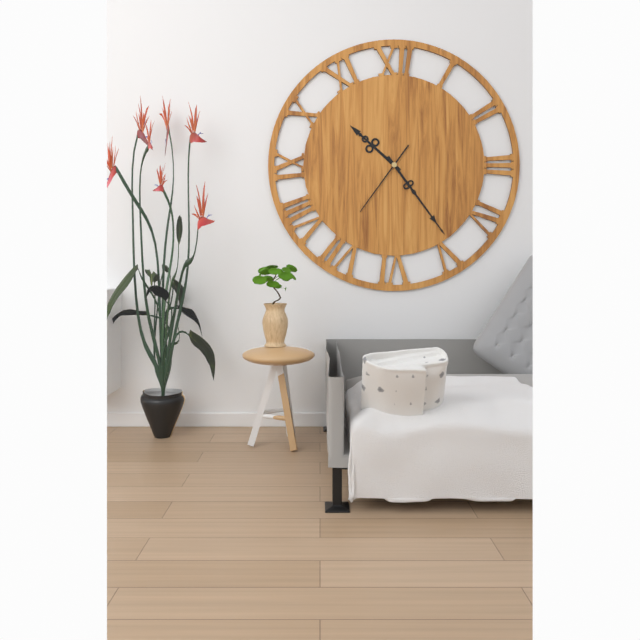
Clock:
10:24:36
